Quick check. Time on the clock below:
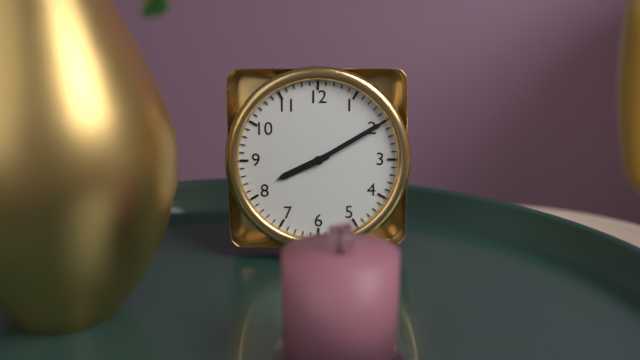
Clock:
8:10
